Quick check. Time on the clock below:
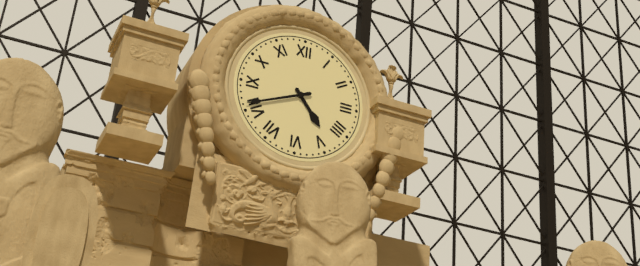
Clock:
4:41
